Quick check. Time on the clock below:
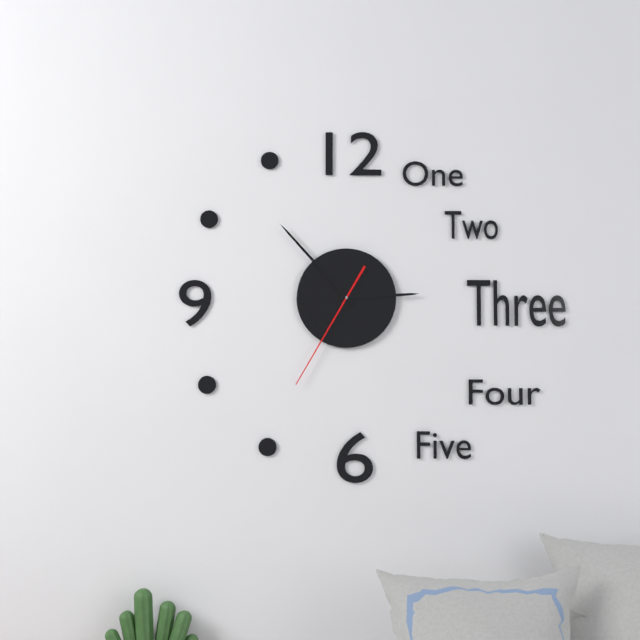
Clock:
2:53:35
